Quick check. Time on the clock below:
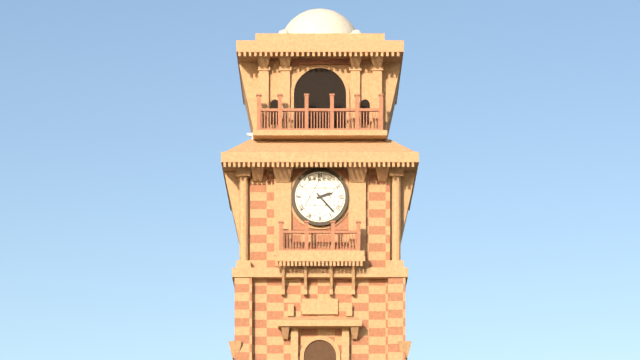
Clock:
2:23
